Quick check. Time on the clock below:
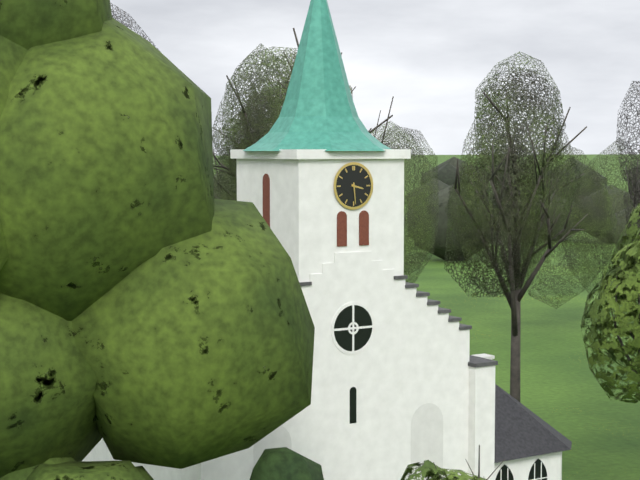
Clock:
3:29
